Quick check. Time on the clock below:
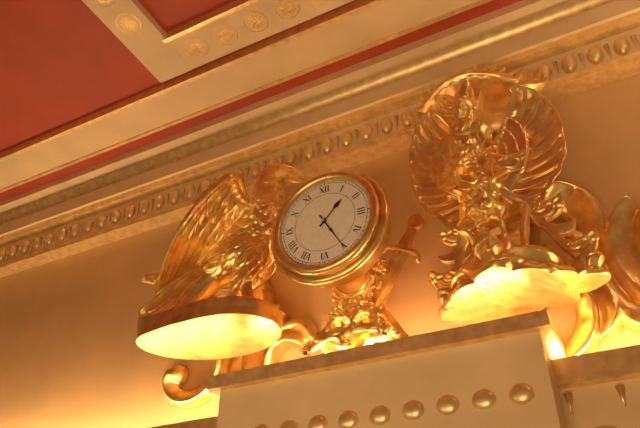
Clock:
1:25
